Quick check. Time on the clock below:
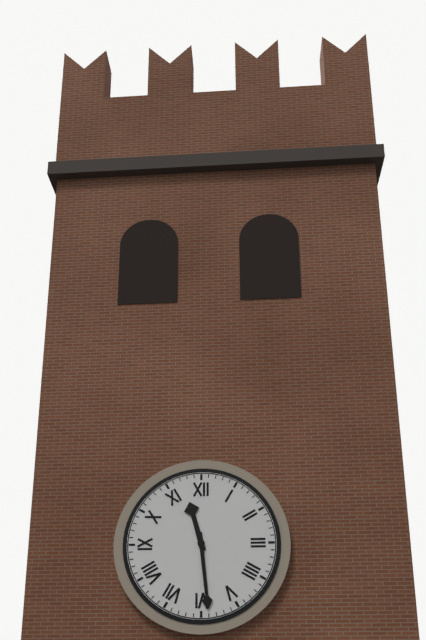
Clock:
11:29
